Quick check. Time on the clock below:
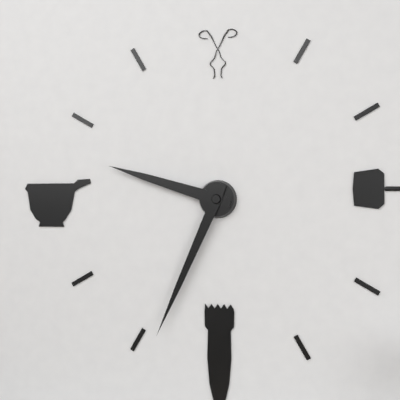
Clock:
9:34
